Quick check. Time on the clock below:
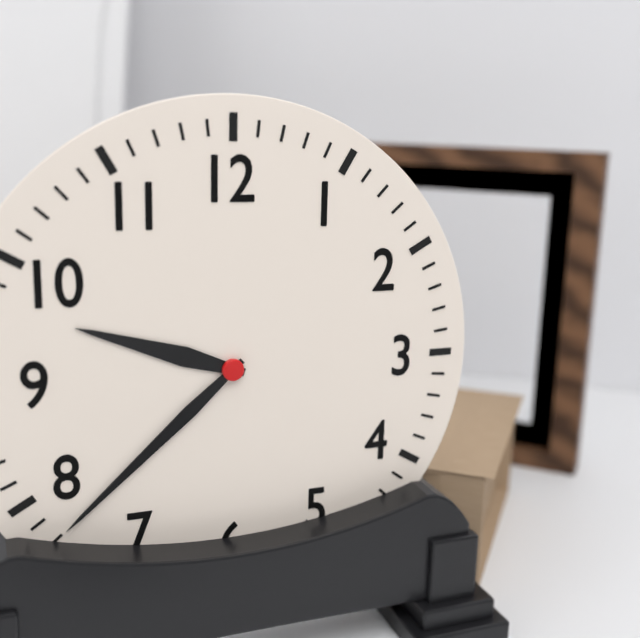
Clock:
9:38
